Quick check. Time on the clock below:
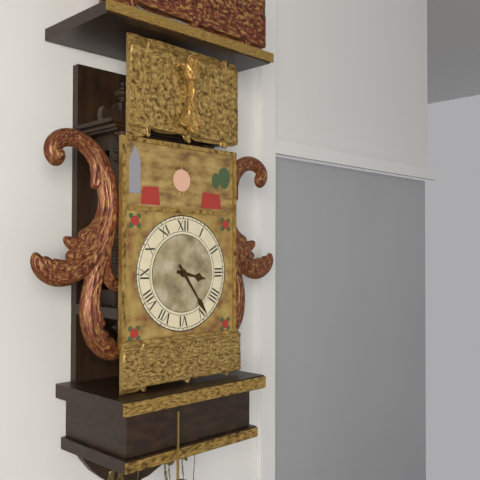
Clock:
3:24
